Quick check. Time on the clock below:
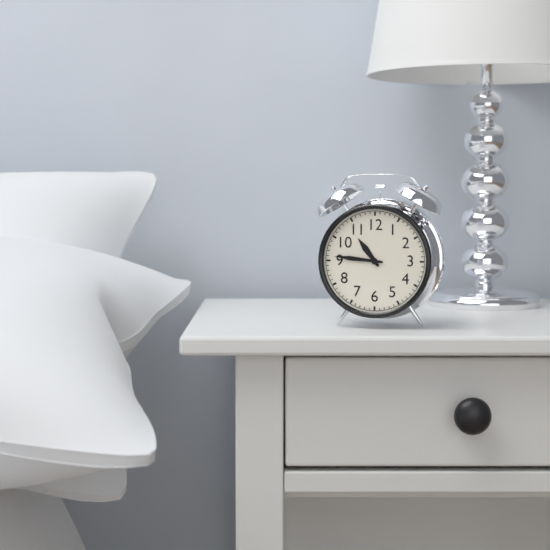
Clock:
10:46
